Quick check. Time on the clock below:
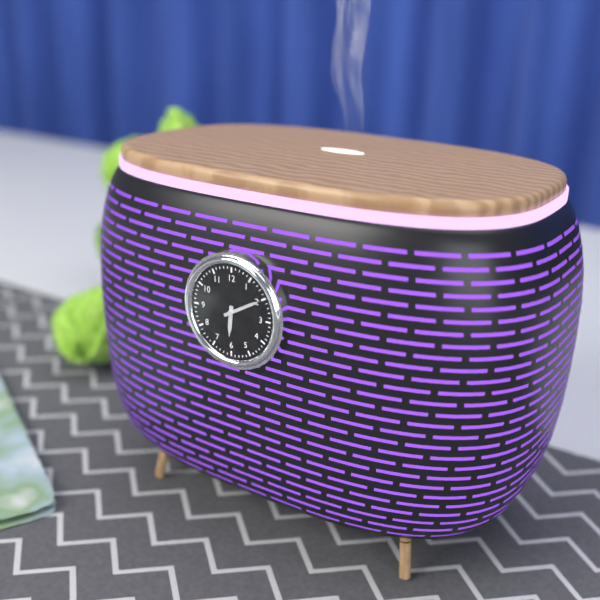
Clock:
6:10
